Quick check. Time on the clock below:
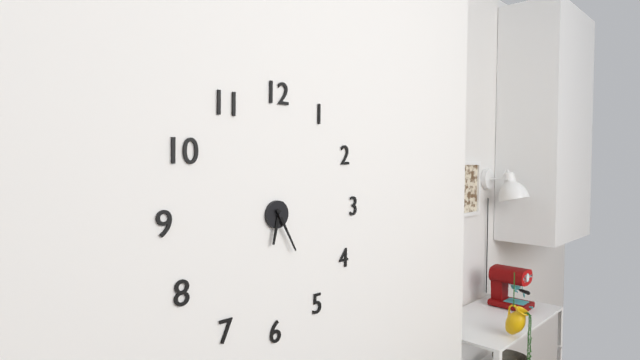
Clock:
6:25
